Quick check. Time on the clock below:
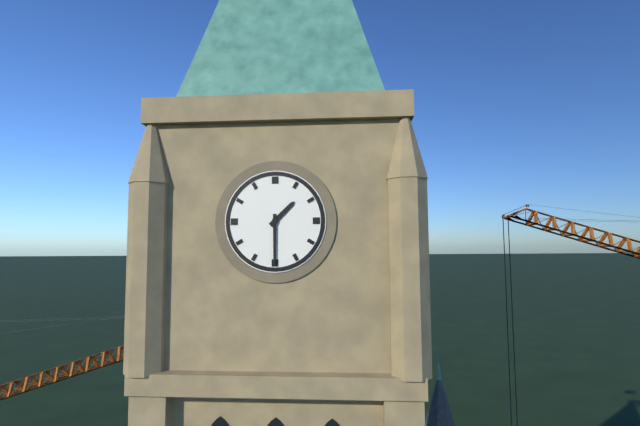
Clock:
1:30
